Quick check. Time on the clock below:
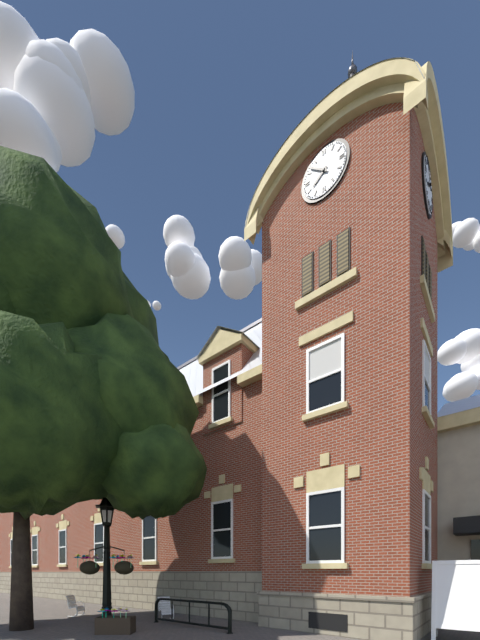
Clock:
7:52
